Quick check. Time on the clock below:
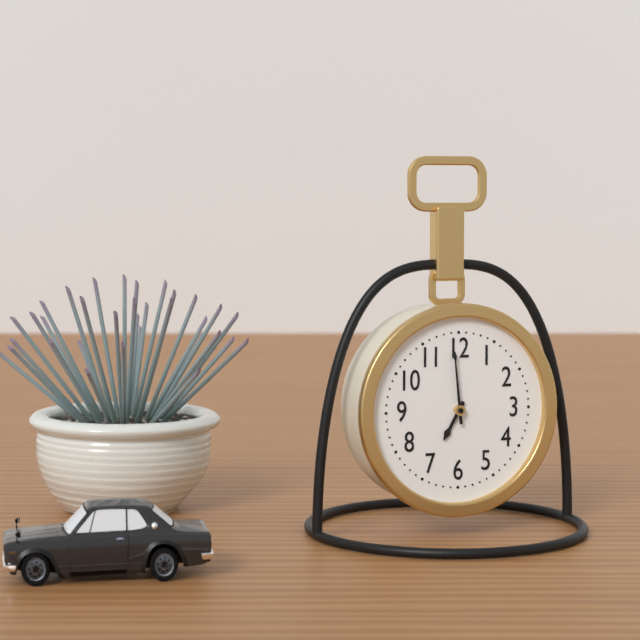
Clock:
6:59
